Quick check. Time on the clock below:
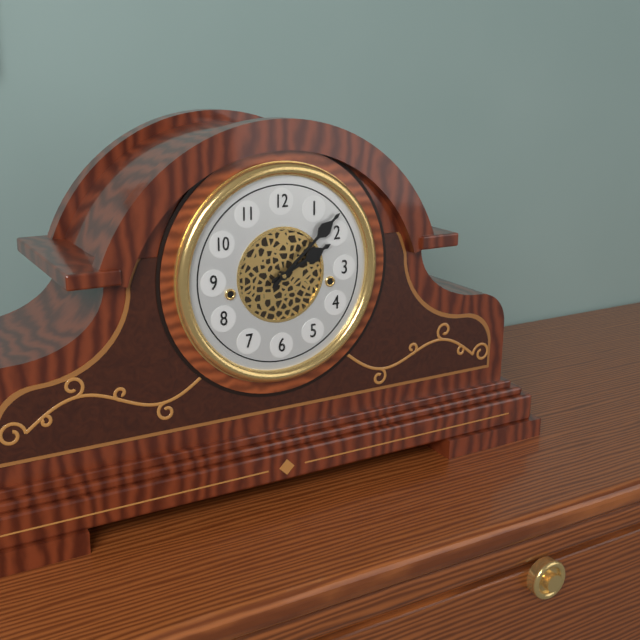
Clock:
2:08
